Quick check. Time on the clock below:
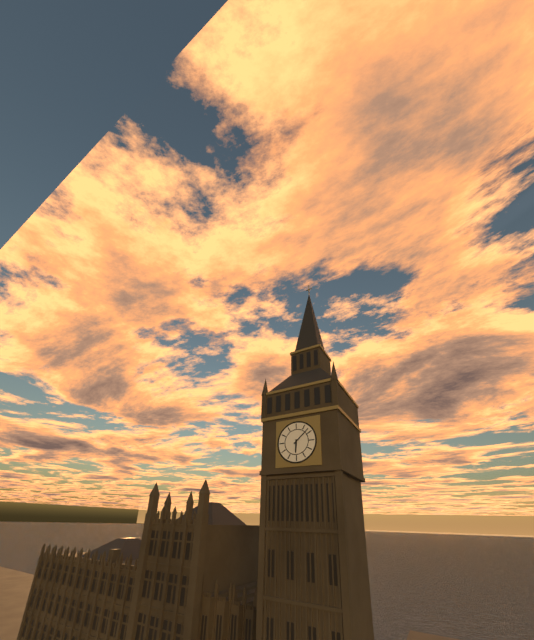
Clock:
6:08
